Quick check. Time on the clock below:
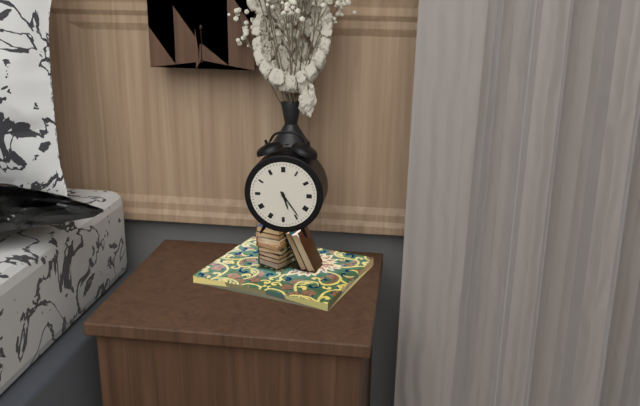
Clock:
5:24
